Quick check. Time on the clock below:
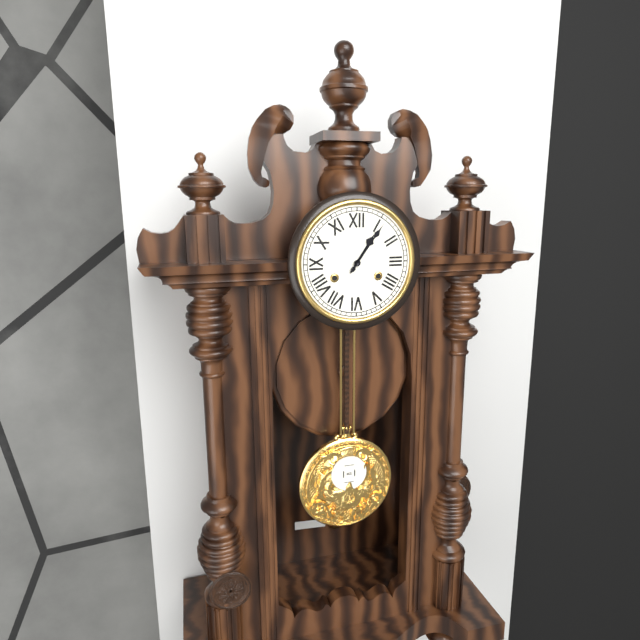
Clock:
1:06
